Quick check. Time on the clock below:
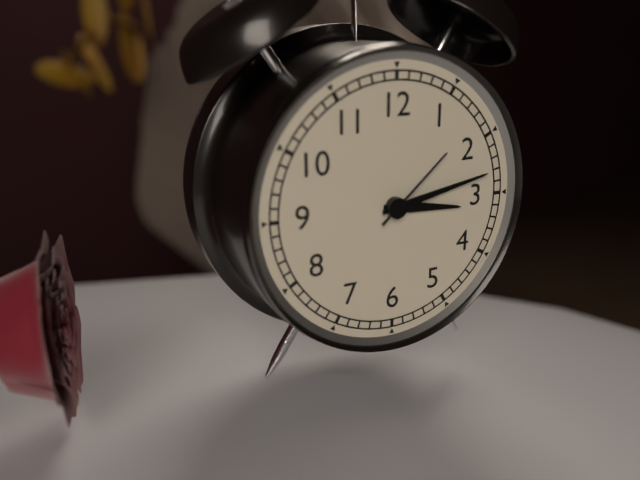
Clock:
3:13:08
